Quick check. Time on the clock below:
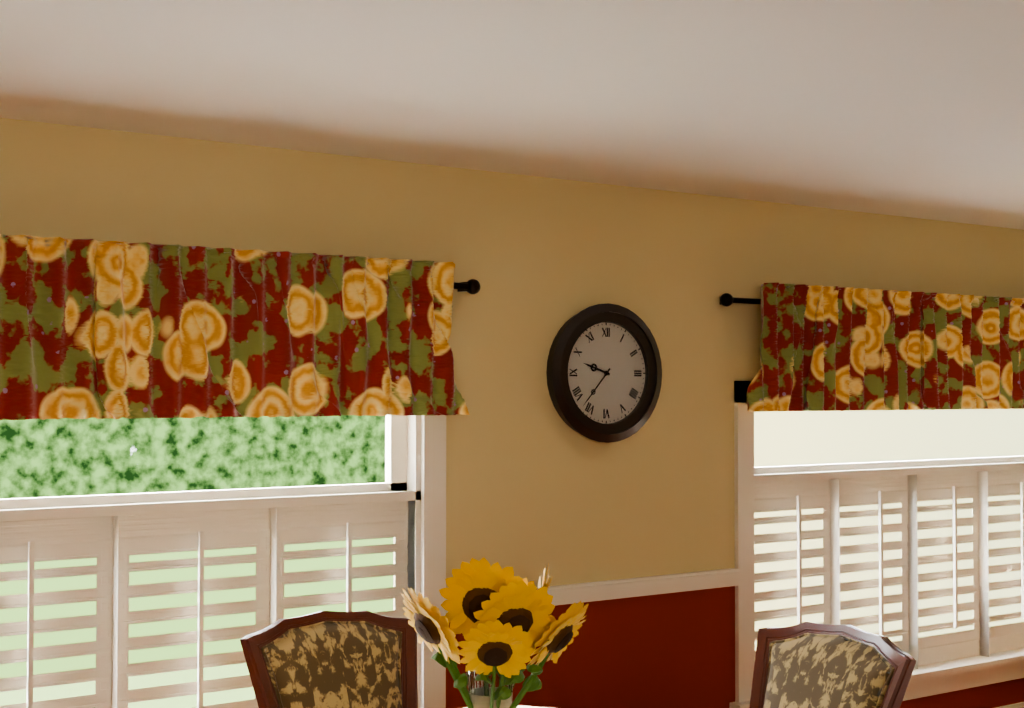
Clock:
9:37
